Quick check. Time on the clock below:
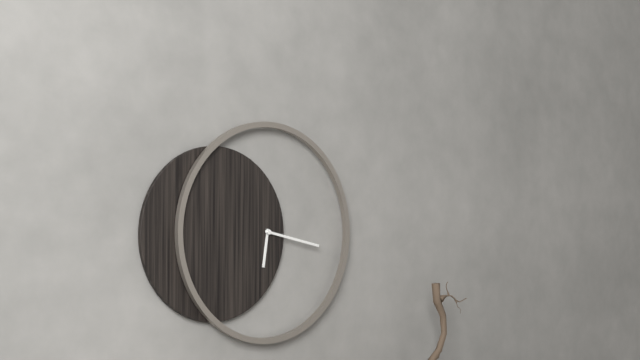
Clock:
6:17
